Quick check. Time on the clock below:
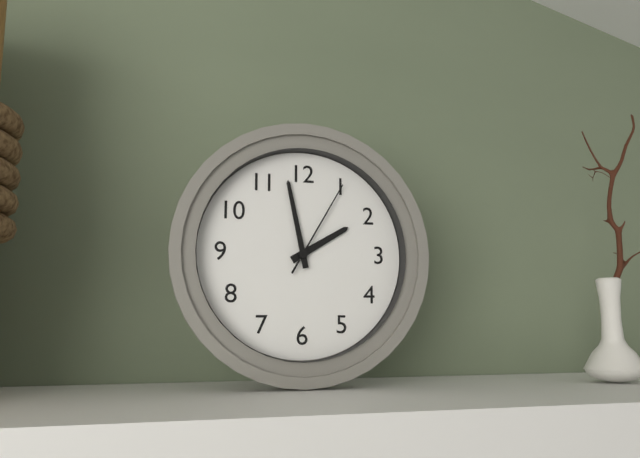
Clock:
1:58:05
